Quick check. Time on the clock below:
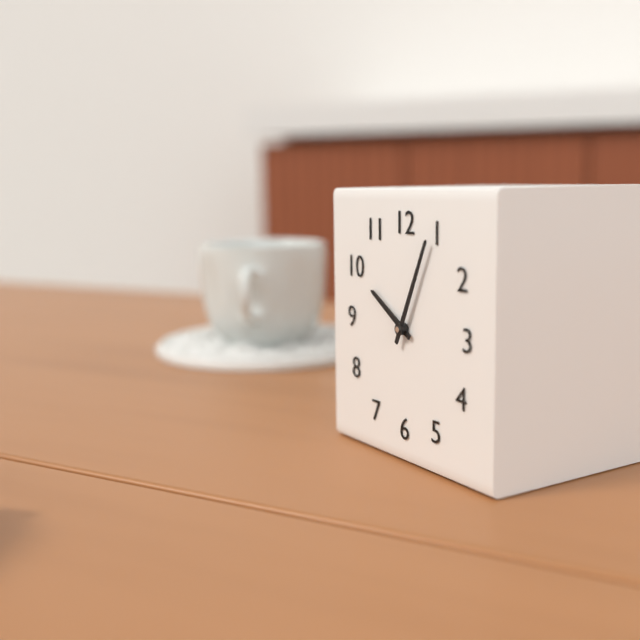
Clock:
10:04
